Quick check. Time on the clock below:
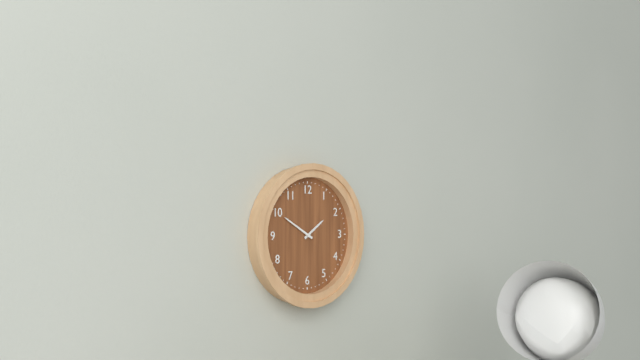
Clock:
1:50
